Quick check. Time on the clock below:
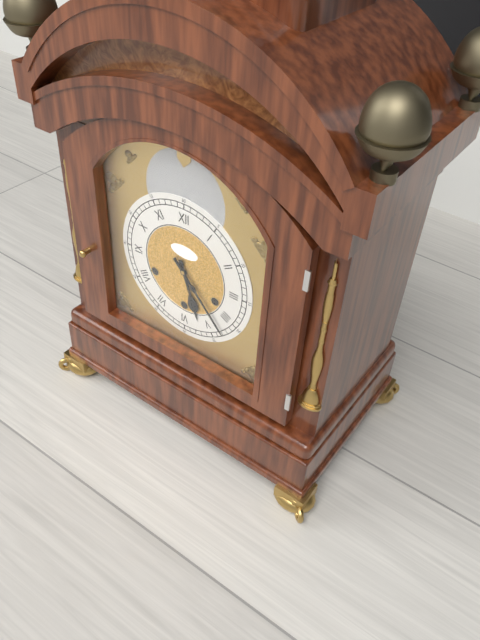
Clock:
5:23
